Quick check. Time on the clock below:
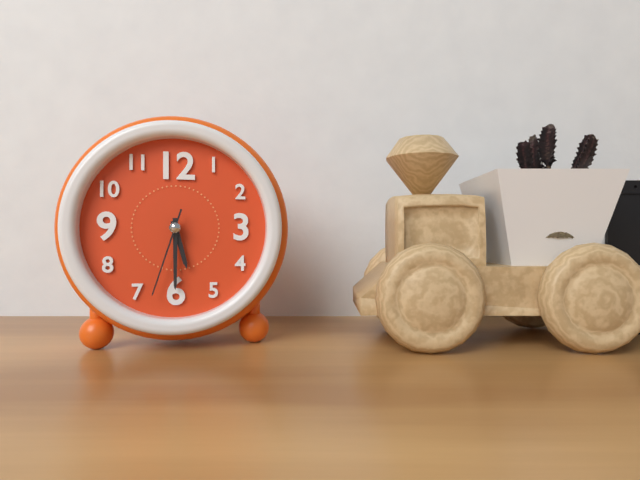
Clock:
5:30:33
